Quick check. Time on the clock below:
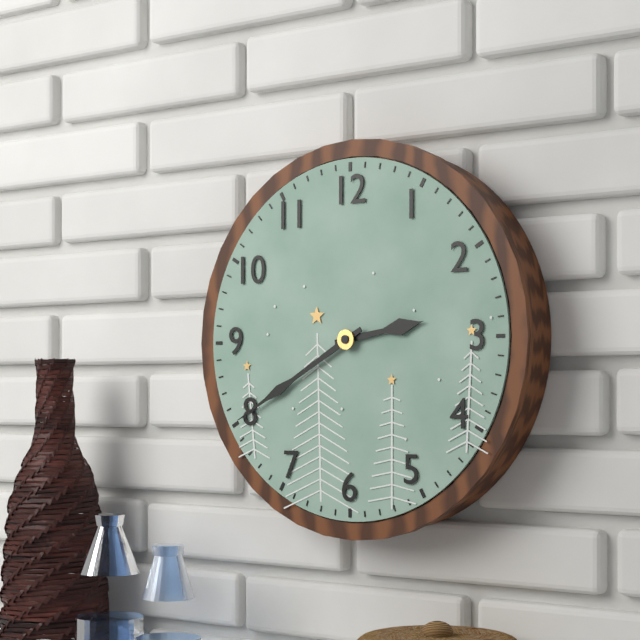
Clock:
2:40
